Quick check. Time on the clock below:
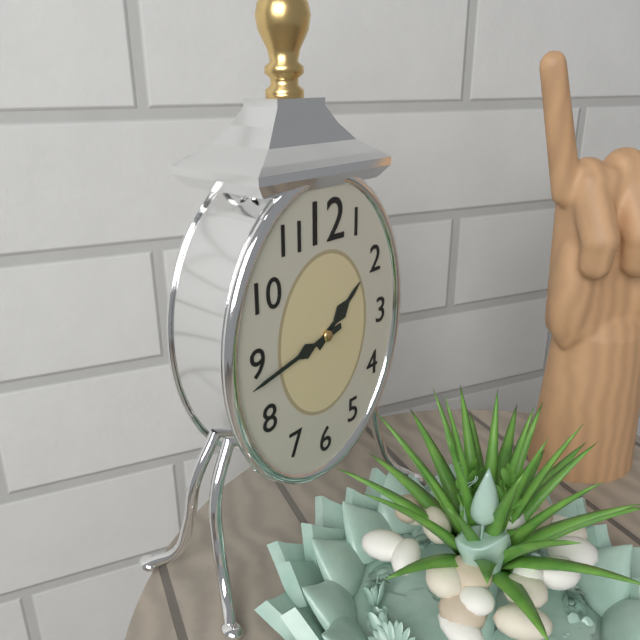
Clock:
1:43
